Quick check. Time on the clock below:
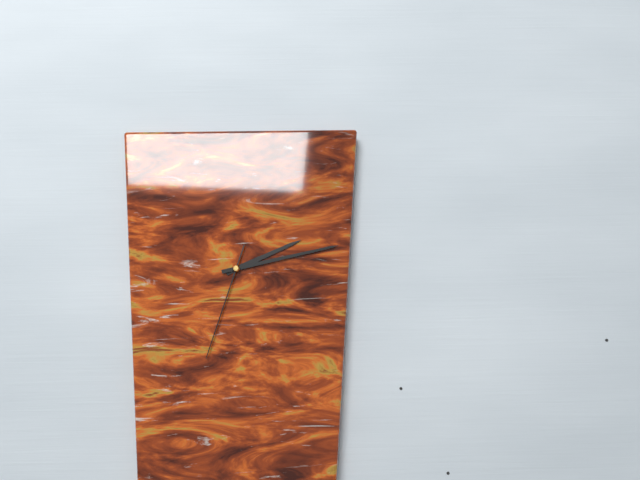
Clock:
2:13:33
